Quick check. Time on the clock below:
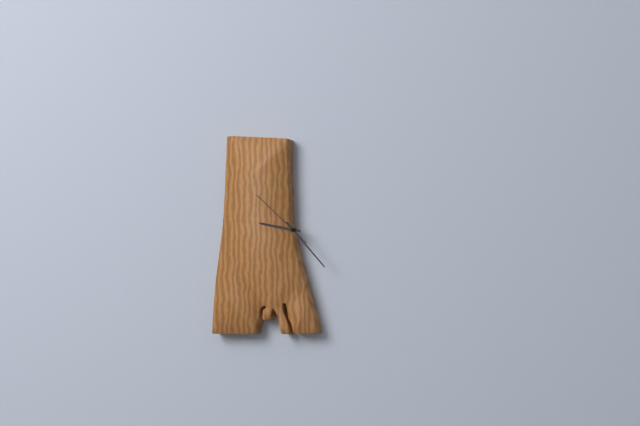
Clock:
9:23:52
